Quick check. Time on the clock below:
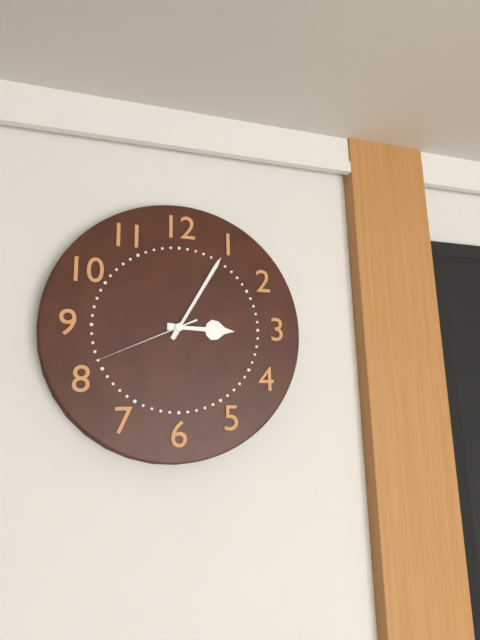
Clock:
3:05:41
